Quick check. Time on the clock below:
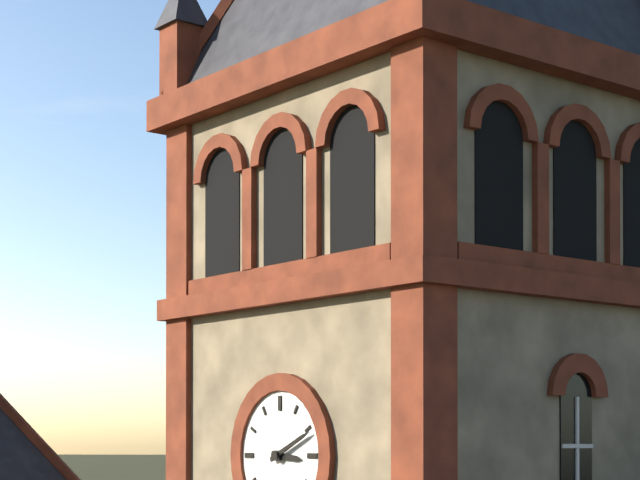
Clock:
3:11
